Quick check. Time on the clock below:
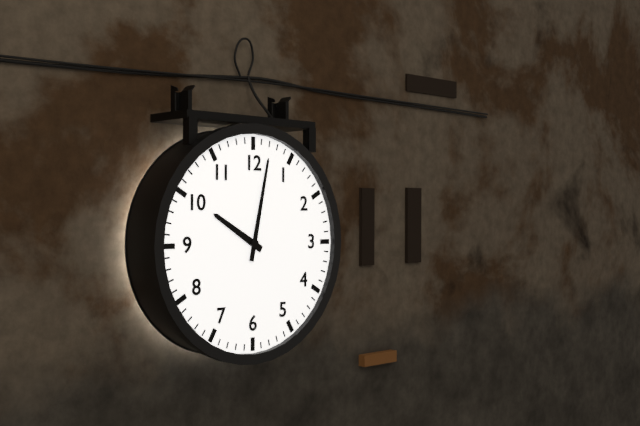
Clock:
10:02
